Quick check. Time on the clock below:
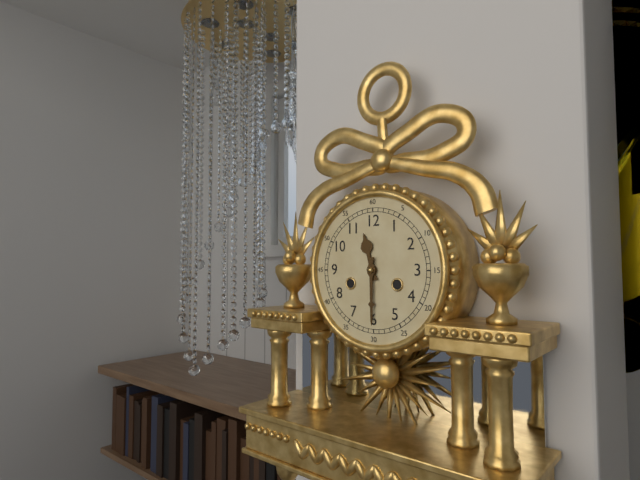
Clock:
11:30
